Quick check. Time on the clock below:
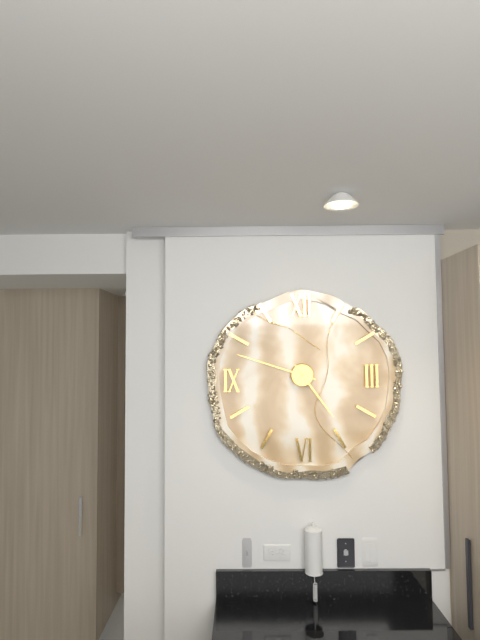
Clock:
4:48
